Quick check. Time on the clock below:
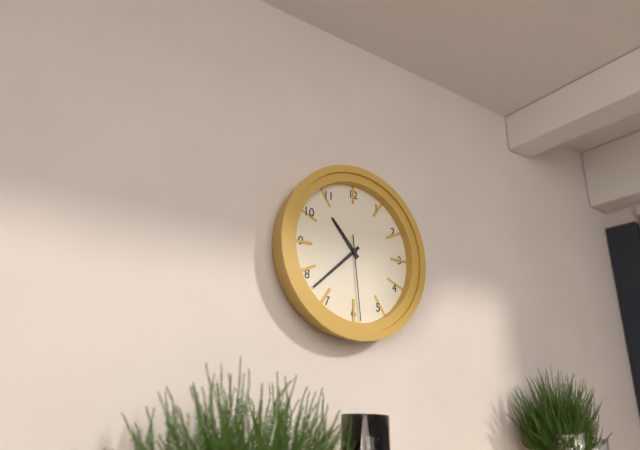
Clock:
10:38:29
